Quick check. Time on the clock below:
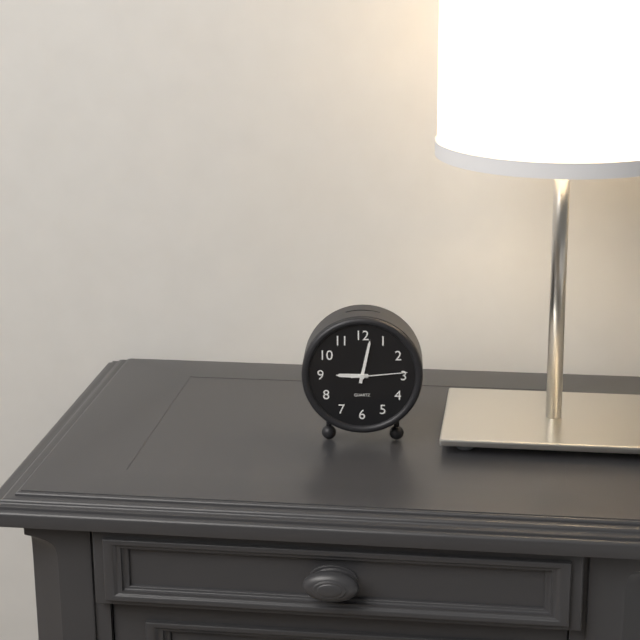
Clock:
9:02:14
